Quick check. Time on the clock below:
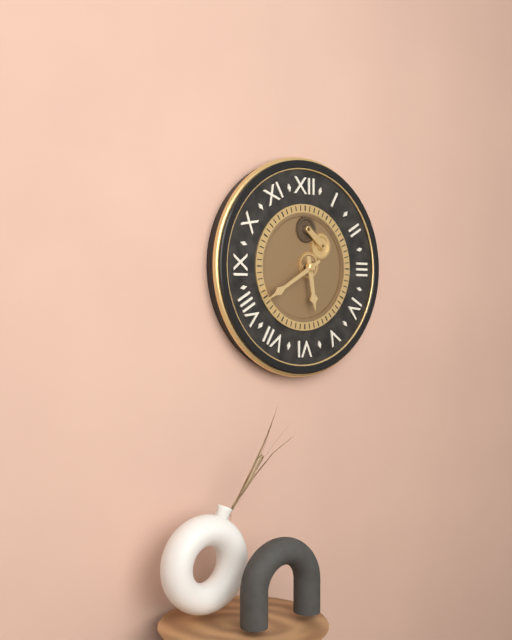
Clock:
5:40
